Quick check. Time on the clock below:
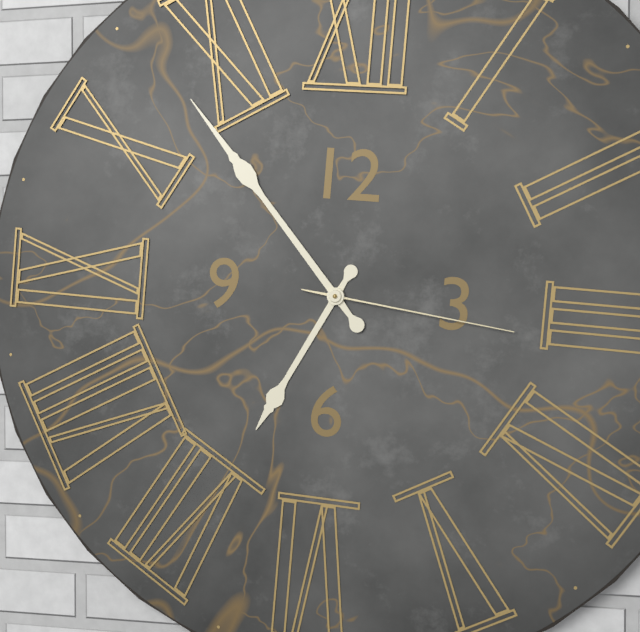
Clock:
6:53:16
